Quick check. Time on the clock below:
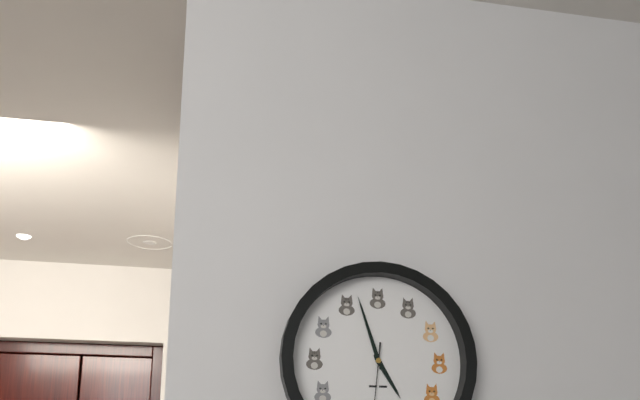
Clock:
4:57
